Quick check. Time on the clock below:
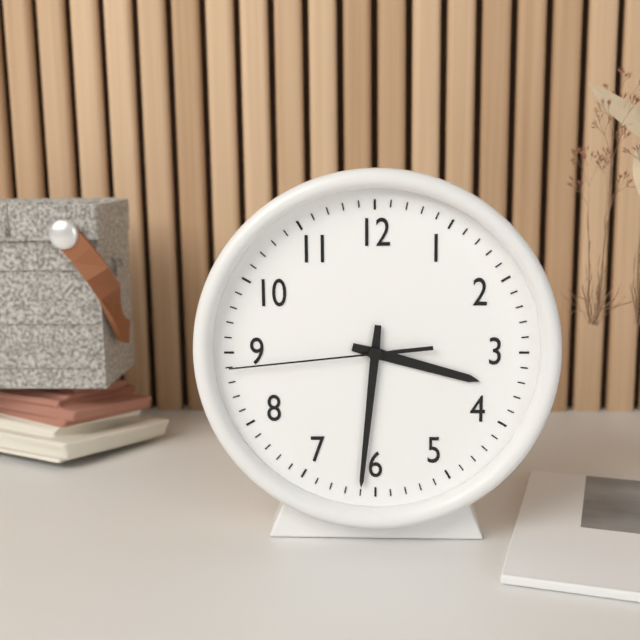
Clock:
3:31:44
